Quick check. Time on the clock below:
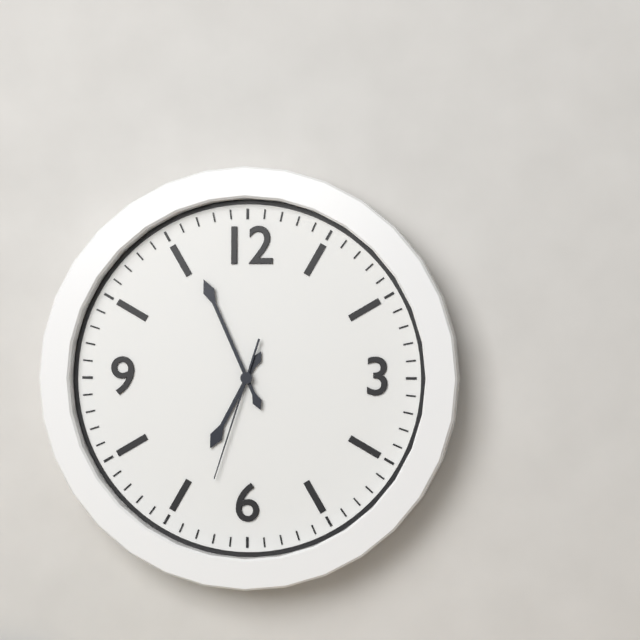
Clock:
6:56:33
